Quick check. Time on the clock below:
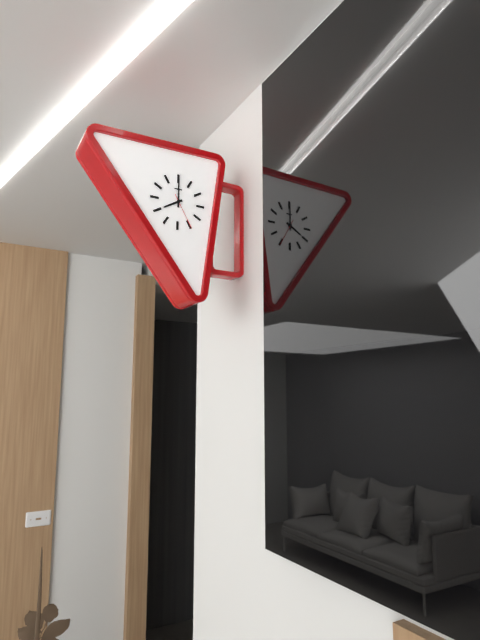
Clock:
8:00
